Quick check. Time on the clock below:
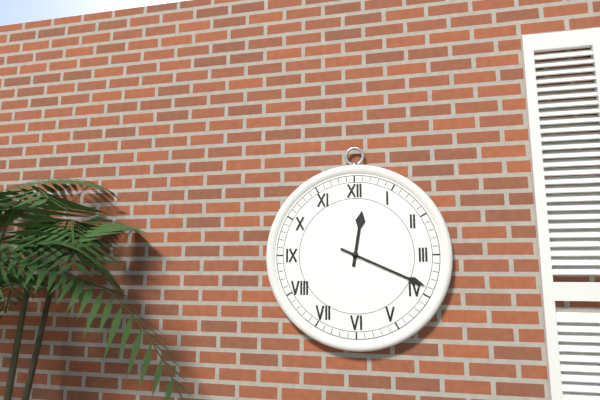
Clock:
12:19
